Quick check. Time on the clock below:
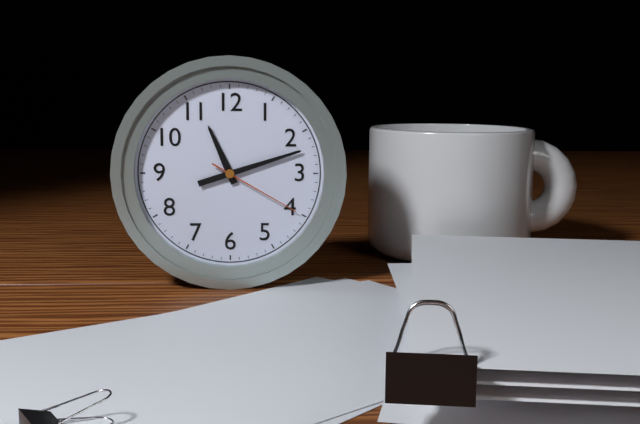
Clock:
11:12:20
